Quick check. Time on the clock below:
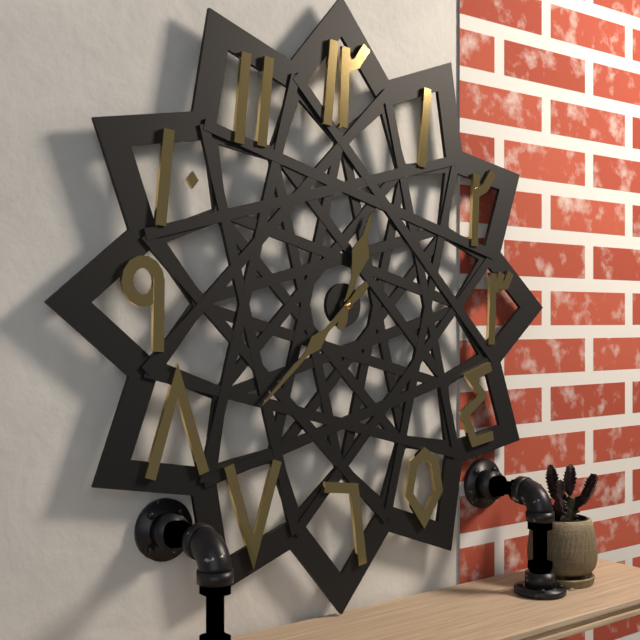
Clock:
12:38
